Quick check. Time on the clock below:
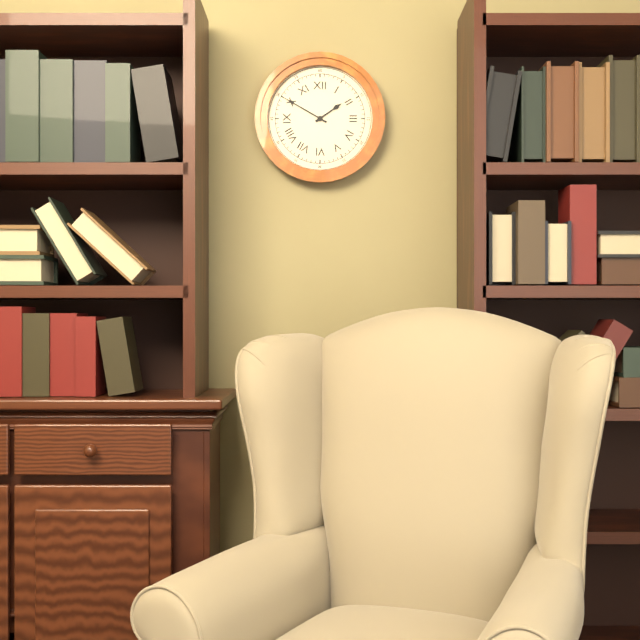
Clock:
1:50
